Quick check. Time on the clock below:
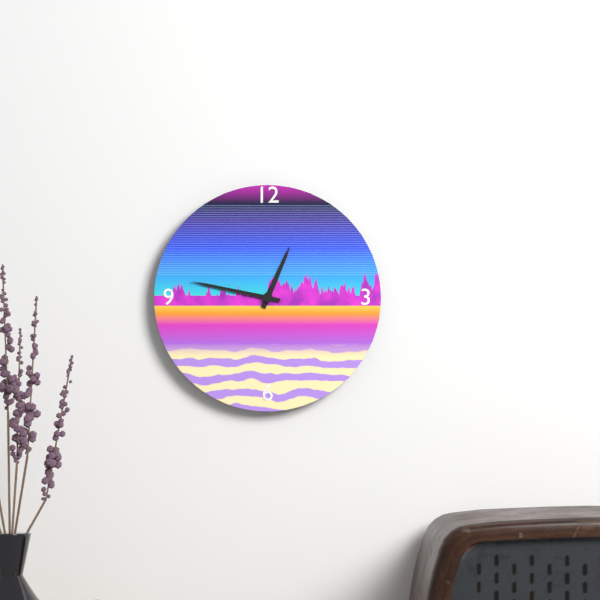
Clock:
12:47
